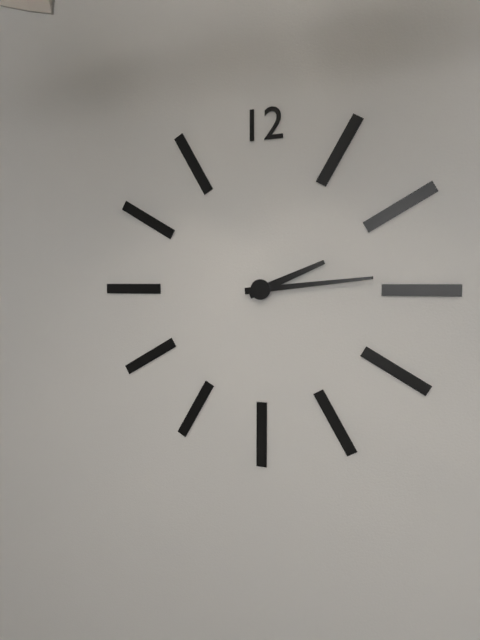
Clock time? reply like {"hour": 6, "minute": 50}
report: {"hour": 2, "minute": 14}
